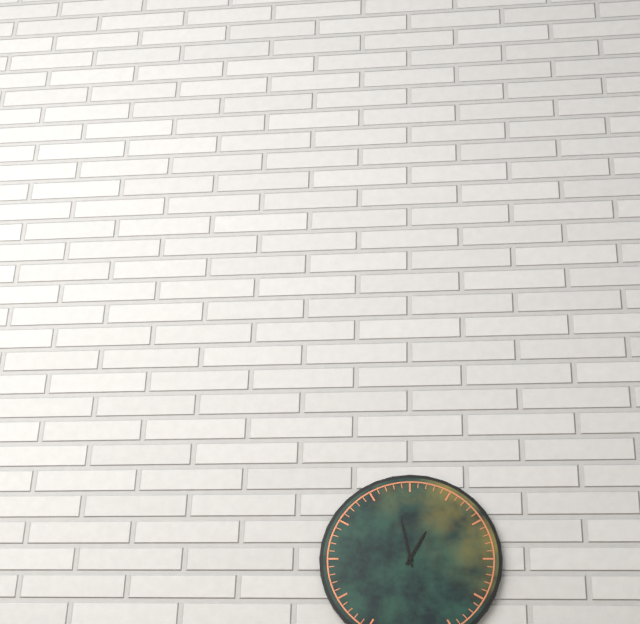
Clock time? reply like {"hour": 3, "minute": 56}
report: {"hour": 12, "minute": 58}
